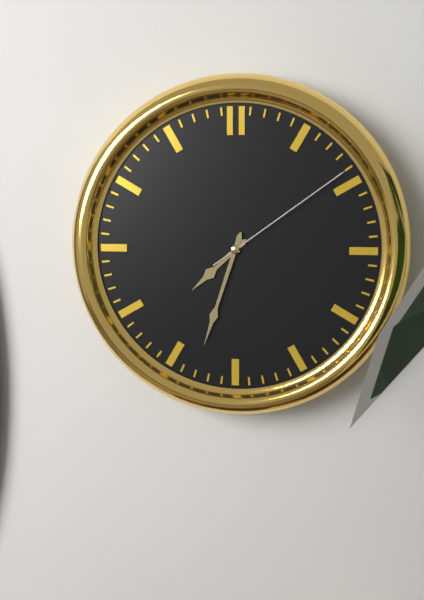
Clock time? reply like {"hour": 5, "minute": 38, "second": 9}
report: {"hour": 7, "minute": 33, "second": 9}
